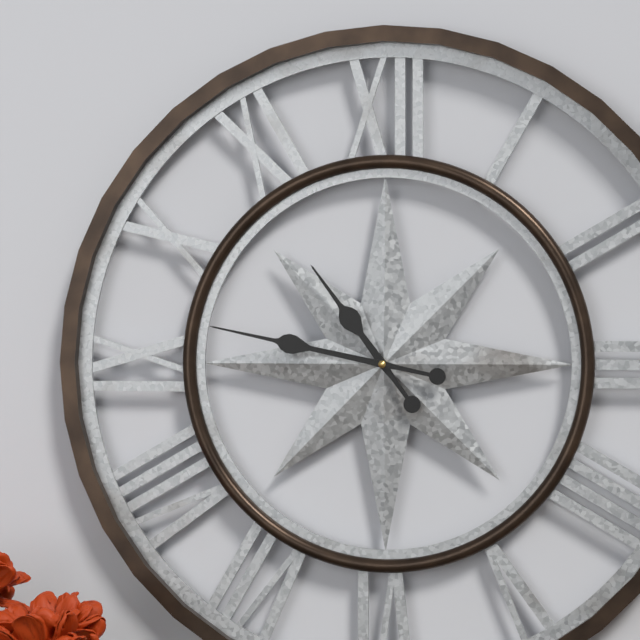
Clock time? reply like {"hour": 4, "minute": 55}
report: {"hour": 10, "minute": 47}
